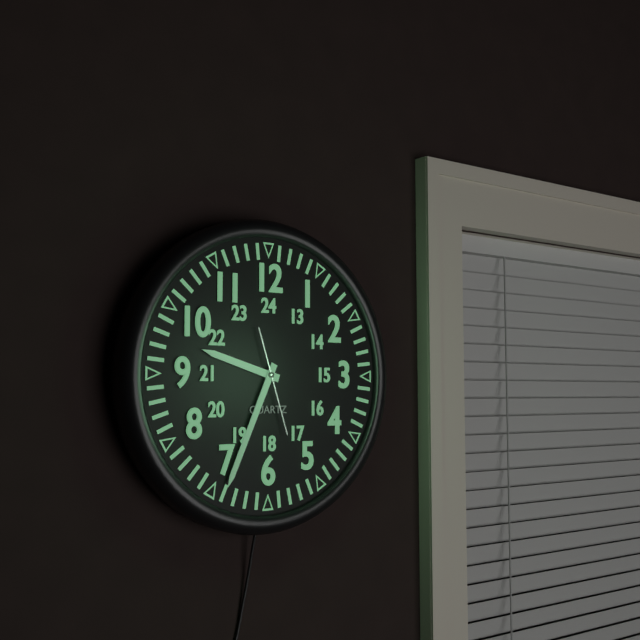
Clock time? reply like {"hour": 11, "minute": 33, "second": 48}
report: {"hour": 9, "minute": 34, "second": 27}
